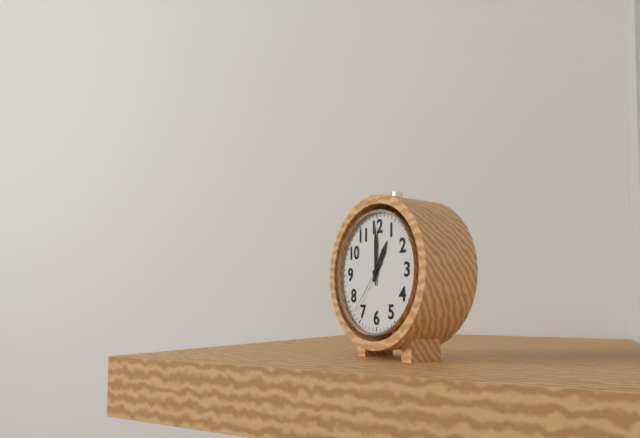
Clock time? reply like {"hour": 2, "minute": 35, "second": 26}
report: {"hour": 1, "minute": 0, "second": 37}
